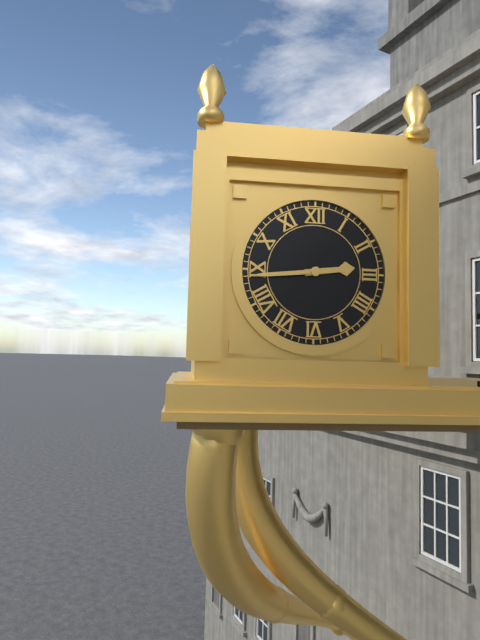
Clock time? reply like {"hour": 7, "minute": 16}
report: {"hour": 2, "minute": 44}
